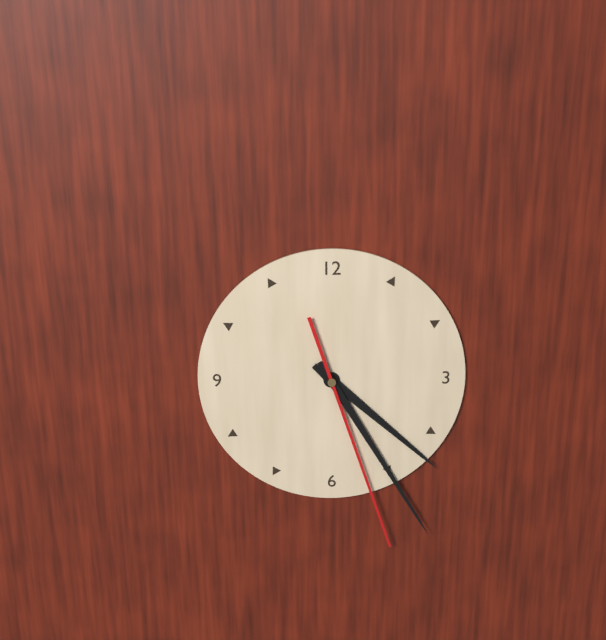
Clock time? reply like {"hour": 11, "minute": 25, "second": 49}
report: {"hour": 4, "minute": 25, "second": 27}
